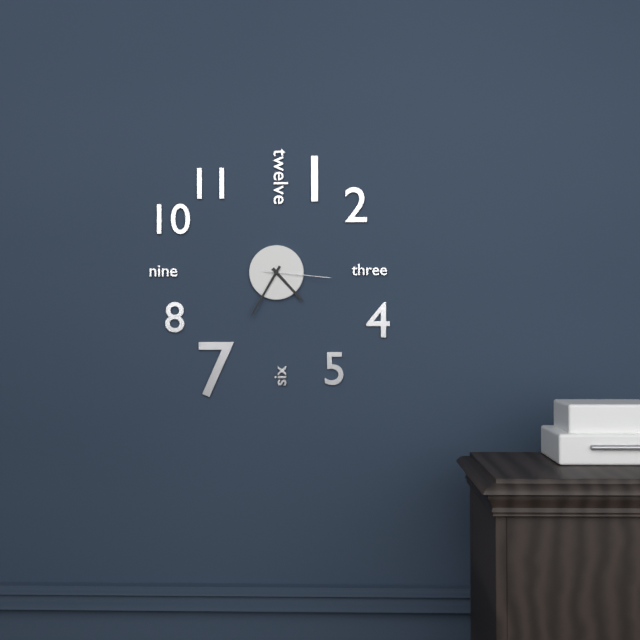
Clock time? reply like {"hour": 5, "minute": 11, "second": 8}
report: {"hour": 4, "minute": 35, "second": 16}
